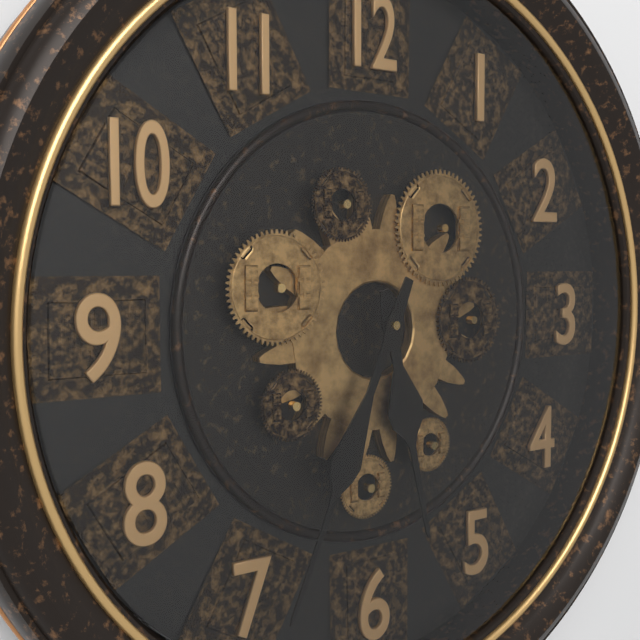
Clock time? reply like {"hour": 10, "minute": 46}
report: {"hour": 5, "minute": 34}
